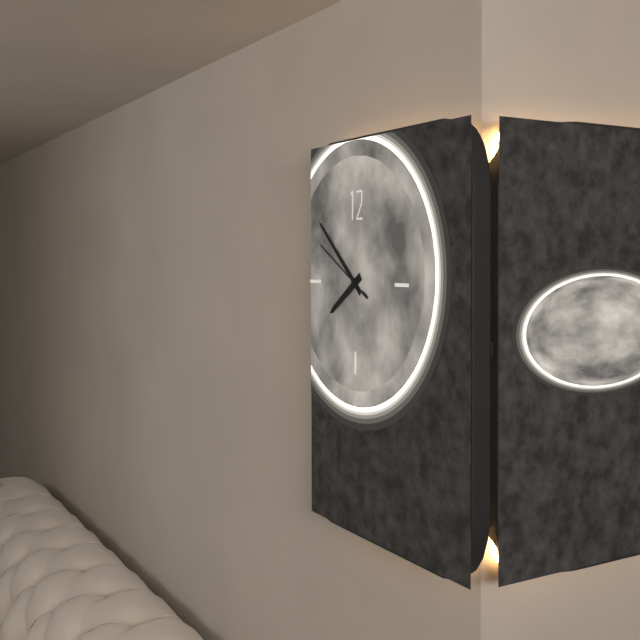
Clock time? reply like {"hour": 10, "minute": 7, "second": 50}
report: {"hour": 7, "minute": 52, "second": 50}
